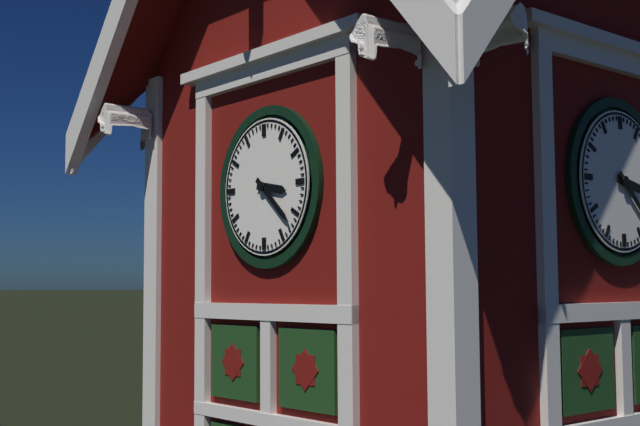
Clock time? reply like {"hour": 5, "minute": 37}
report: {"hour": 3, "minute": 22}
